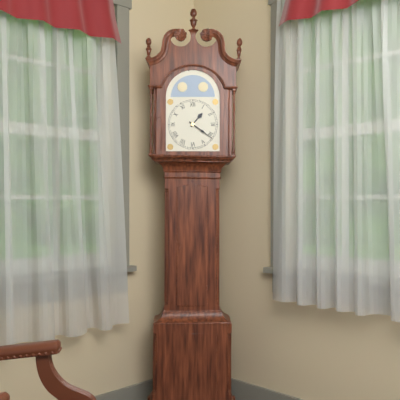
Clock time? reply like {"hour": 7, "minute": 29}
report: {"hour": 1, "minute": 21}
